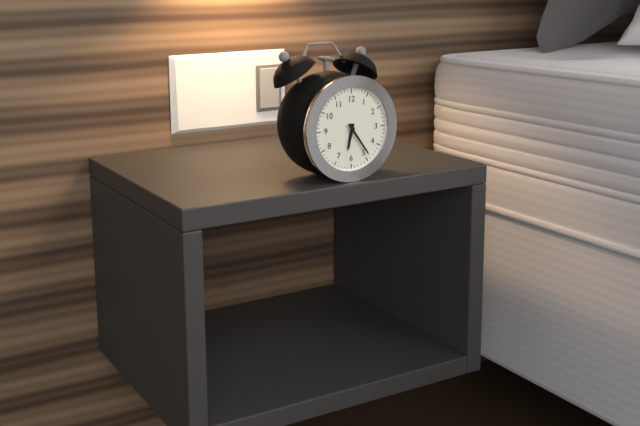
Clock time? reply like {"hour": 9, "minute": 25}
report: {"hour": 6, "minute": 24}
